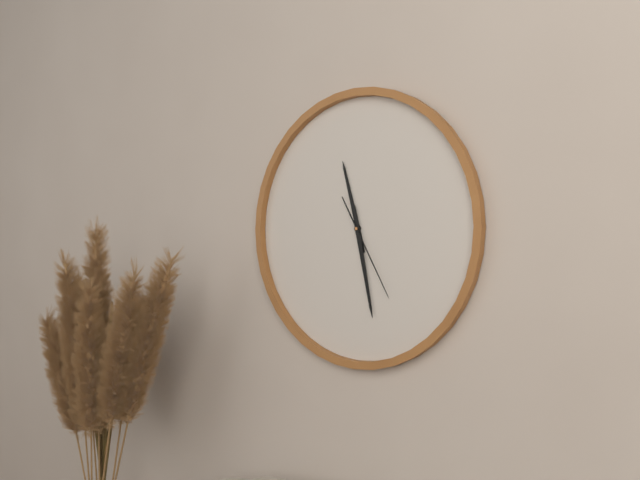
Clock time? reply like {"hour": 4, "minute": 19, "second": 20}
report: {"hour": 11, "minute": 28, "second": 25}
